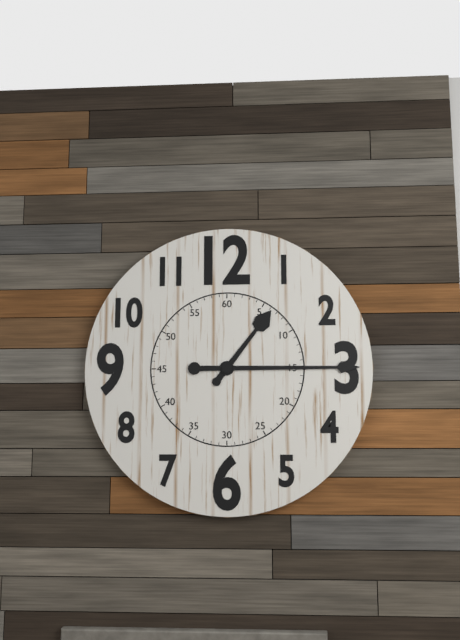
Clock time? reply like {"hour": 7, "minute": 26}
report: {"hour": 1, "minute": 15}
